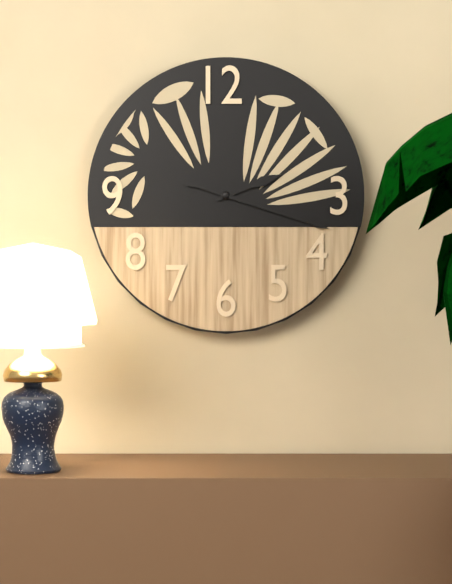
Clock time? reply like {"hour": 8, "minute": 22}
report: {"hour": 2, "minute": 18}
